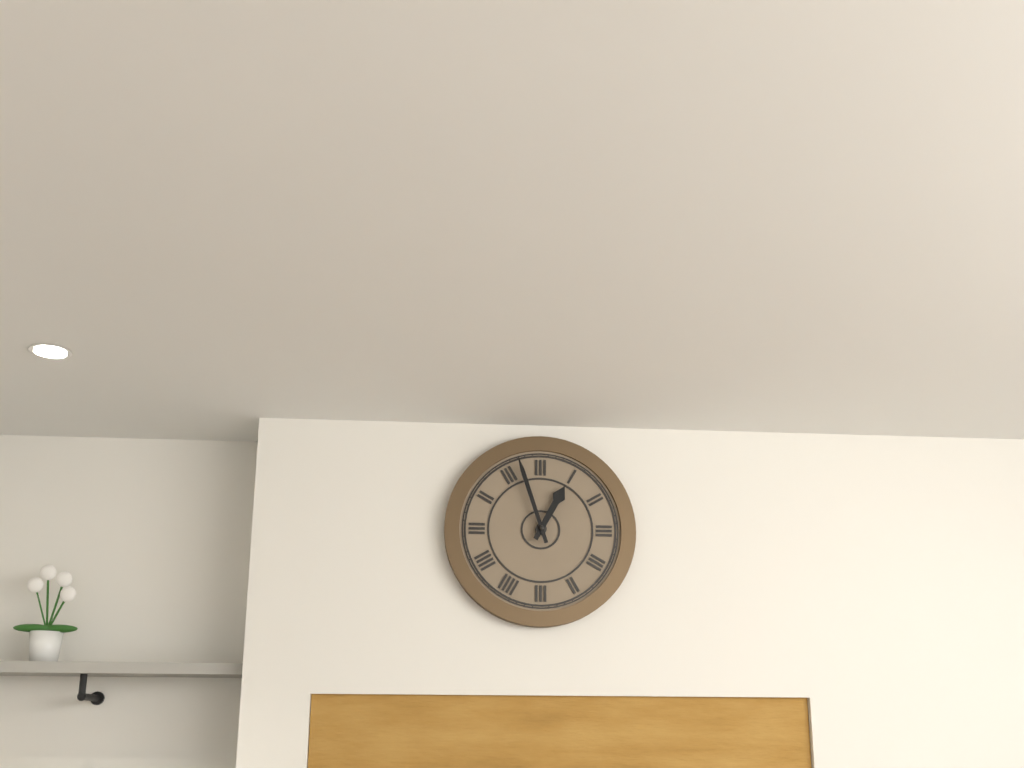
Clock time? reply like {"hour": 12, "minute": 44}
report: {"hour": 12, "minute": 57}
